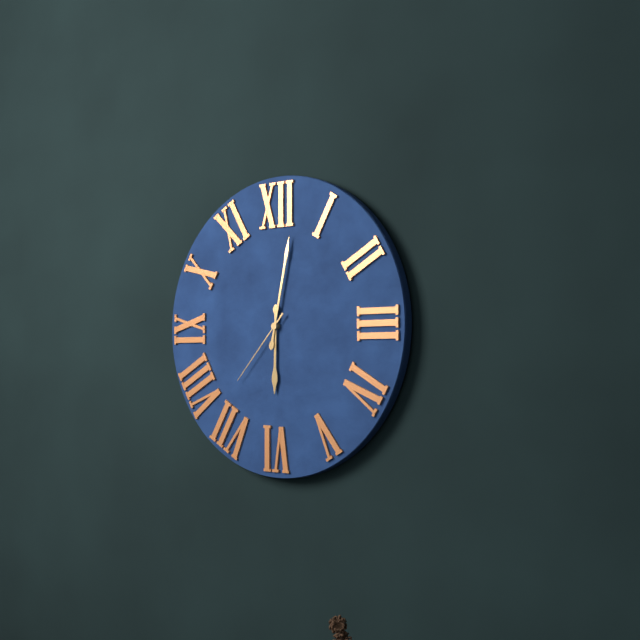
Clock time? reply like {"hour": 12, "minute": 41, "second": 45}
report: {"hour": 6, "minute": 2, "second": 37}
